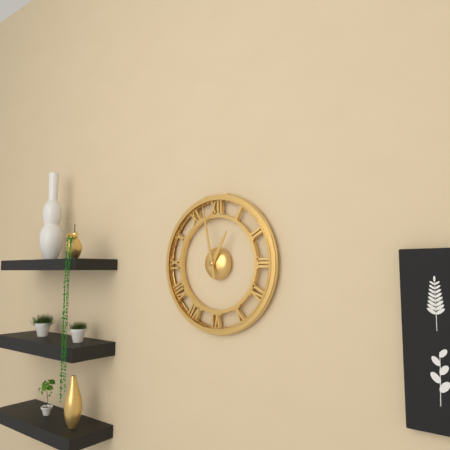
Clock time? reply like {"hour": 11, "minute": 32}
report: {"hour": 12, "minute": 58}
